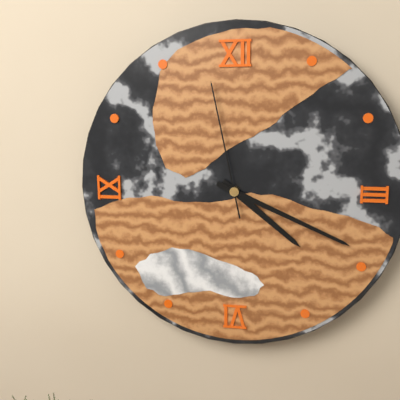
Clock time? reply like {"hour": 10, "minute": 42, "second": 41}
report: {"hour": 4, "minute": 19, "second": 58}
